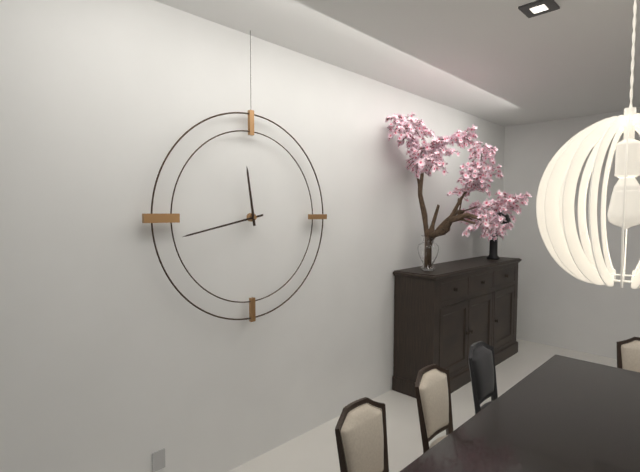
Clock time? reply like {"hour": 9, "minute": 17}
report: {"hour": 11, "minute": 43}
